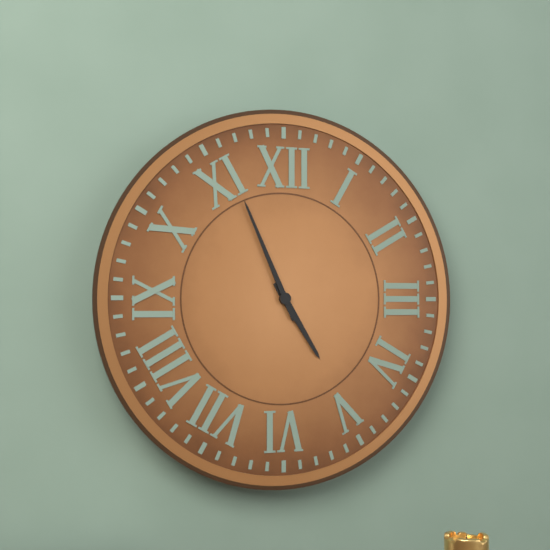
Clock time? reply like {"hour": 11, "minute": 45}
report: {"hour": 4, "minute": 56}
